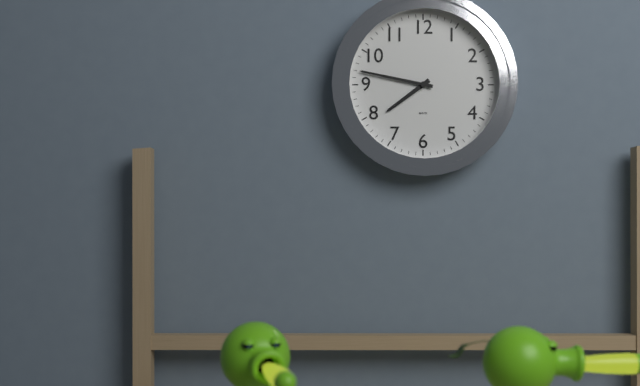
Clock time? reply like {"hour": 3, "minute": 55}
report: {"hour": 7, "minute": 47}
